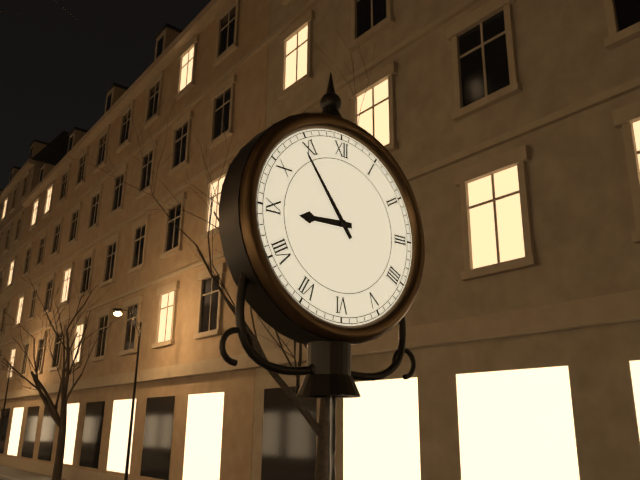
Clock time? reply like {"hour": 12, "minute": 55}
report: {"hour": 8, "minute": 54}
